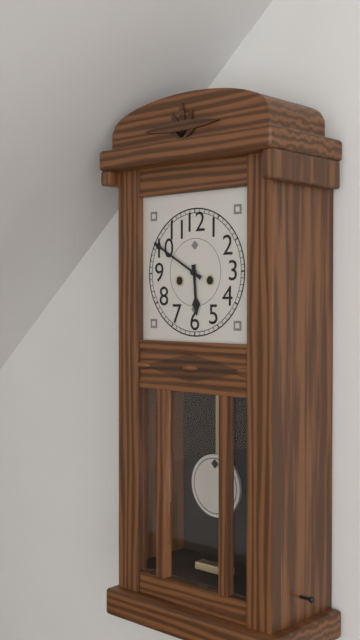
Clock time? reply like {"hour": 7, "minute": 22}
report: {"hour": 5, "minute": 50}
